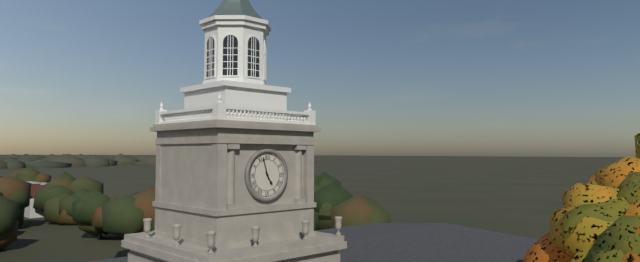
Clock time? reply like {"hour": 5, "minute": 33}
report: {"hour": 4, "minute": 57}
